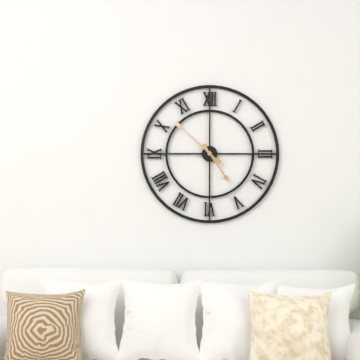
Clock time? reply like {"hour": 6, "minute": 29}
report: {"hour": 4, "minute": 52}
